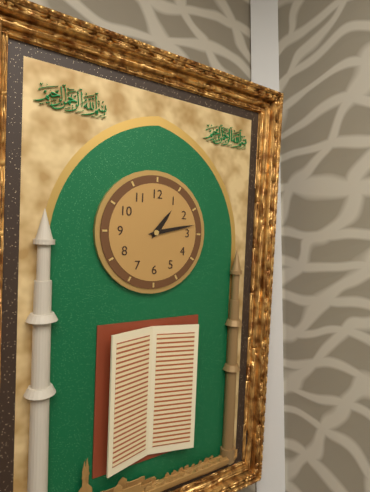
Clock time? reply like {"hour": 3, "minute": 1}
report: {"hour": 1, "minute": 13}
